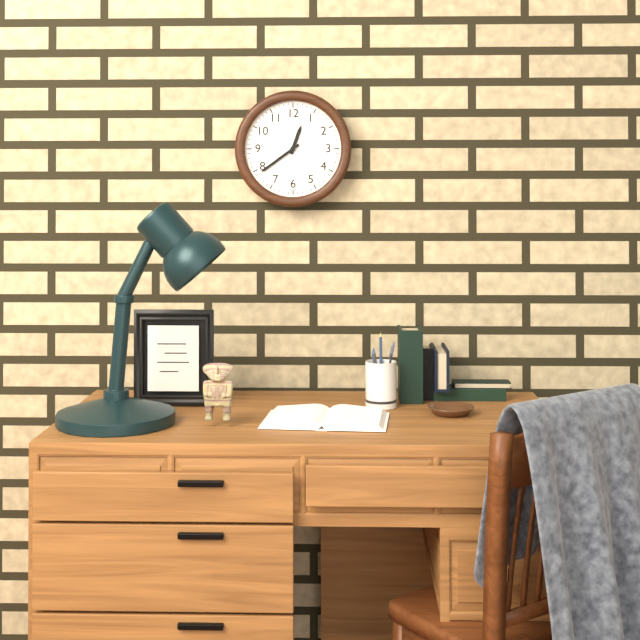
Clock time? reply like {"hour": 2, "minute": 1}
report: {"hour": 12, "minute": 39}
